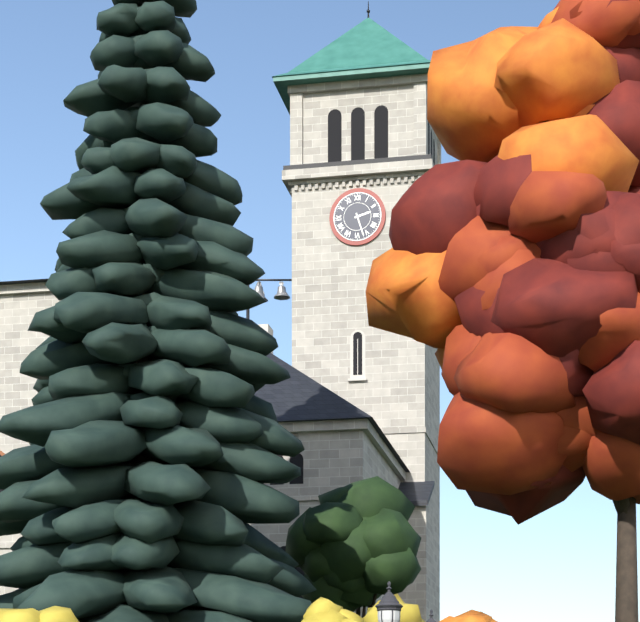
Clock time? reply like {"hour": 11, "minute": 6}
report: {"hour": 2, "minute": 27}
